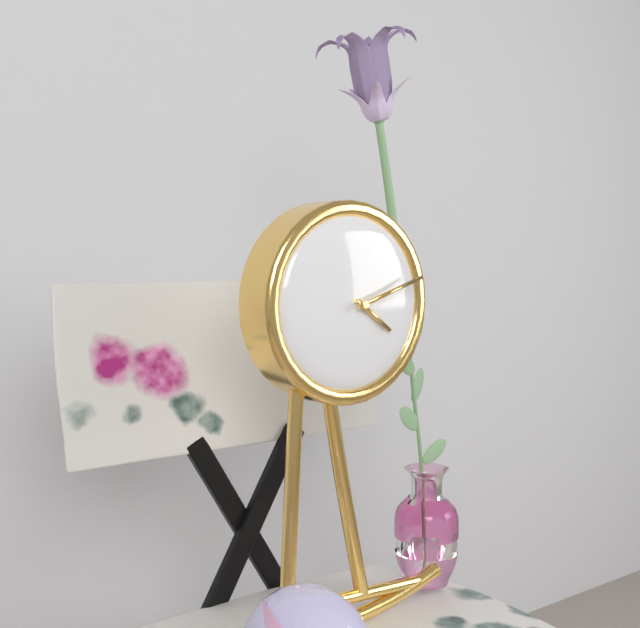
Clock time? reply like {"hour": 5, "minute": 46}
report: {"hour": 4, "minute": 12}
